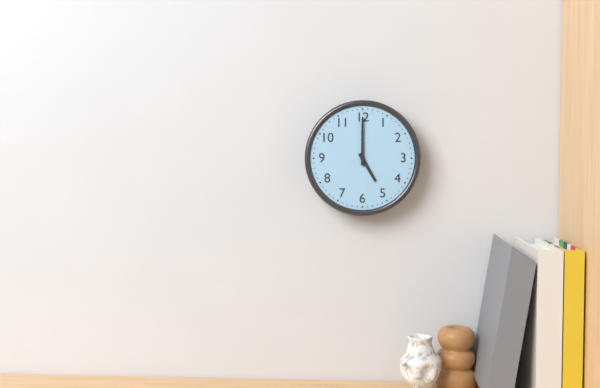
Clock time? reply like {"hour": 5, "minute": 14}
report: {"hour": 5, "minute": 0}
